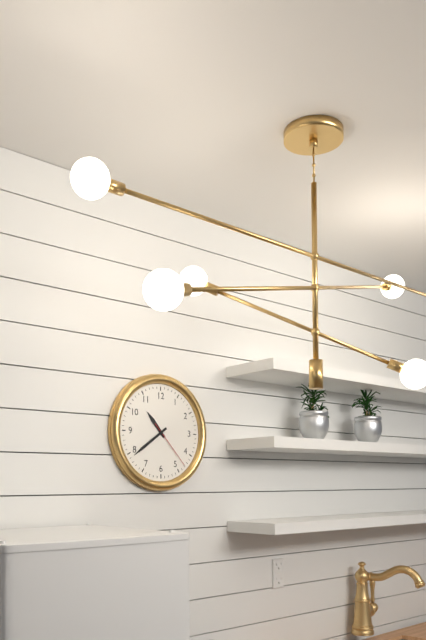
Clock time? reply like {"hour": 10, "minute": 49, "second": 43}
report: {"hour": 10, "minute": 39, "second": 23}
